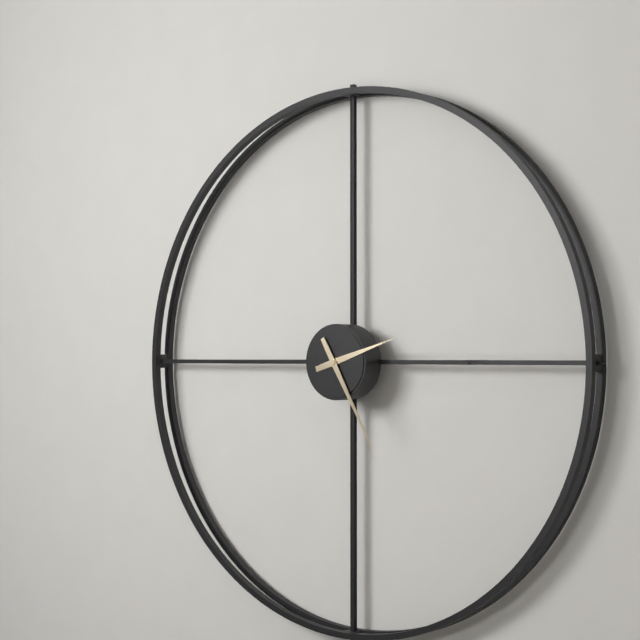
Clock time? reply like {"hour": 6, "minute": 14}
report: {"hour": 2, "minute": 25}
